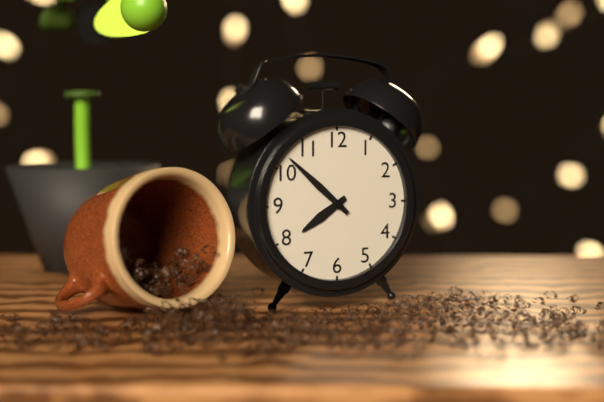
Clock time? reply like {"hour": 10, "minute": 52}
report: {"hour": 7, "minute": 52}
